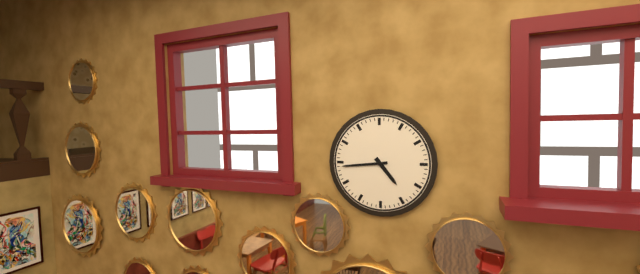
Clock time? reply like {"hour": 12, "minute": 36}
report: {"hour": 4, "minute": 44}
